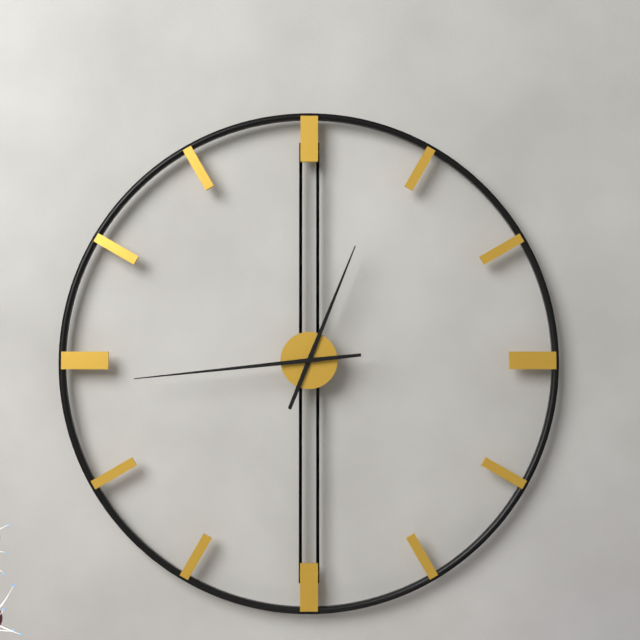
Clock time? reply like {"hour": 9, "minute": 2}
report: {"hour": 12, "minute": 44}
